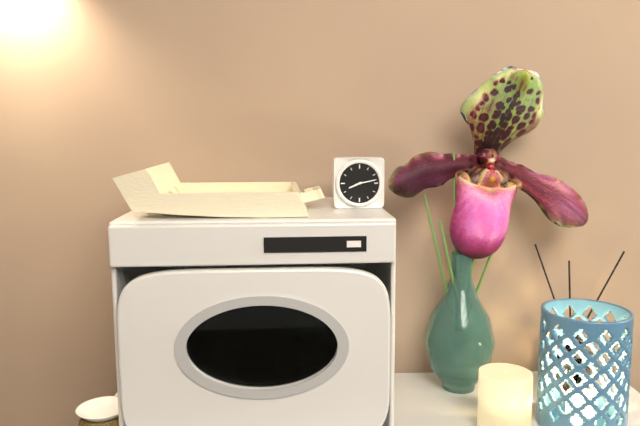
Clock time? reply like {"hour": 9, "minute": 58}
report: {"hour": 8, "minute": 13}
